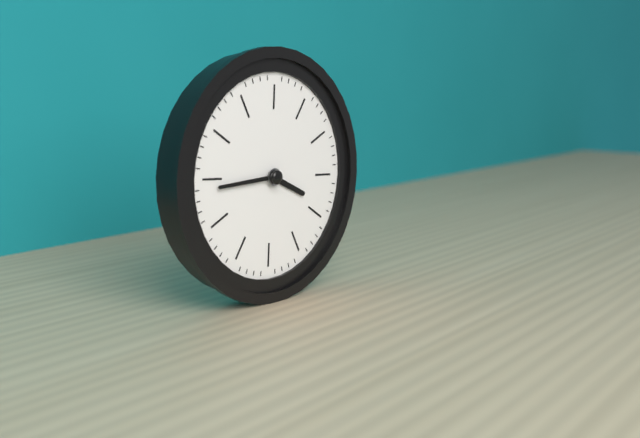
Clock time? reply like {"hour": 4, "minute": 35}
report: {"hour": 3, "minute": 44}
